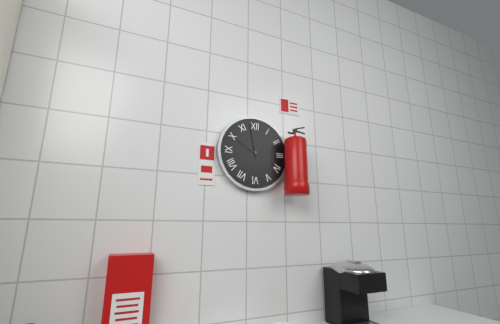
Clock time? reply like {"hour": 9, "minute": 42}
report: {"hour": 9, "minute": 58}
